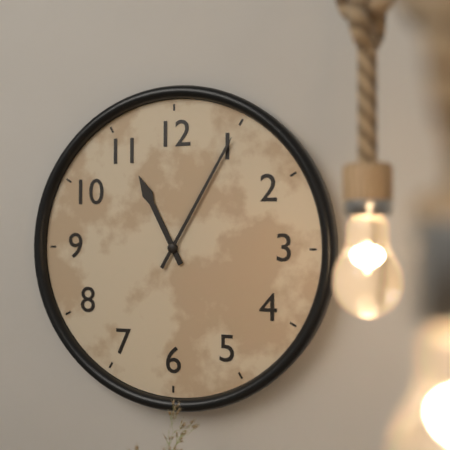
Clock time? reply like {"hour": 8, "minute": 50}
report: {"hour": 11, "minute": 5}
